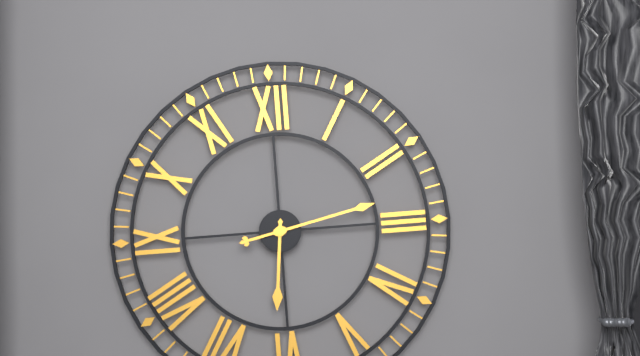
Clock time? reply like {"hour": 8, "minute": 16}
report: {"hour": 6, "minute": 13}
